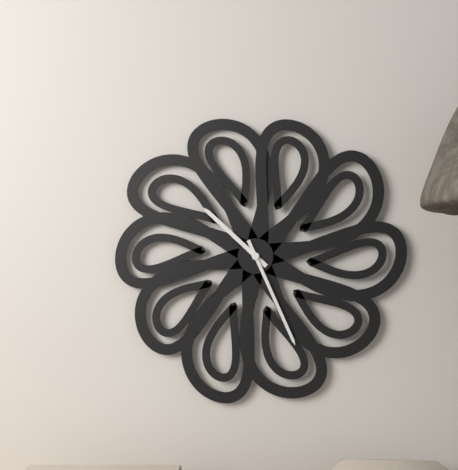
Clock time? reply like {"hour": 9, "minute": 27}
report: {"hour": 10, "minute": 26}
